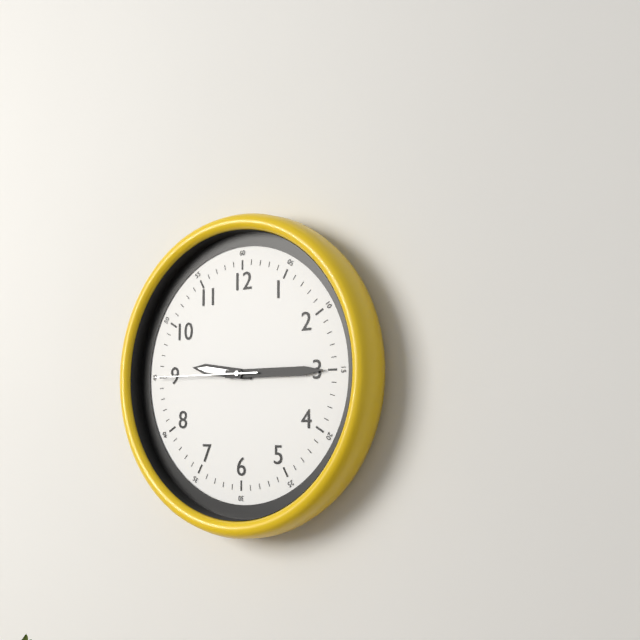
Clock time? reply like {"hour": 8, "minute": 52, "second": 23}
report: {"hour": 9, "minute": 15, "second": 45}
